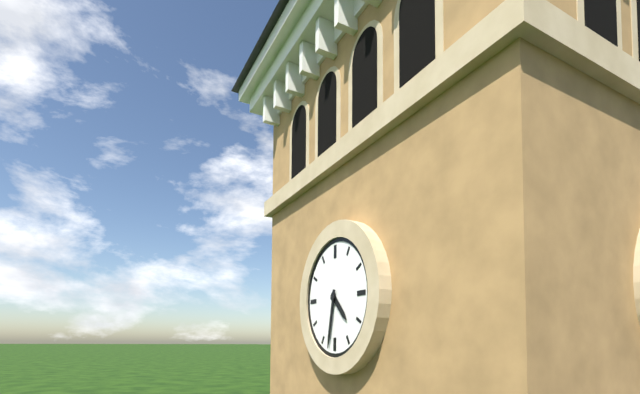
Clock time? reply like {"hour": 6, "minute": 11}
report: {"hour": 4, "minute": 32}
